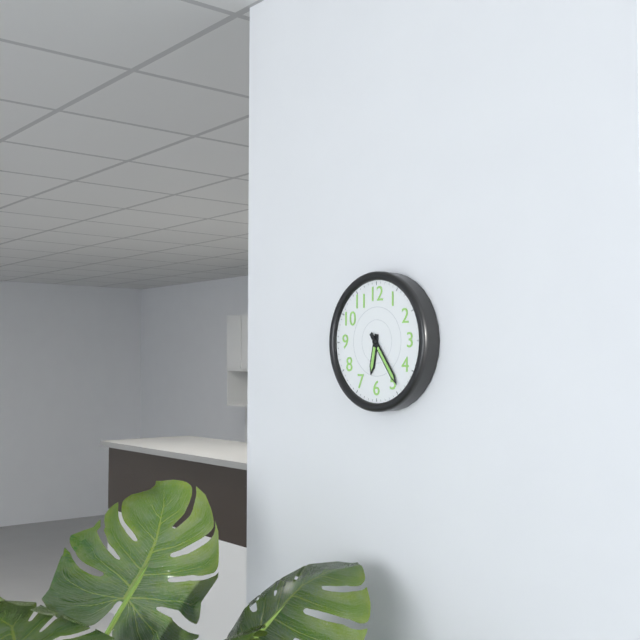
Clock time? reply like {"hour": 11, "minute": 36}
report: {"hour": 6, "minute": 24}
